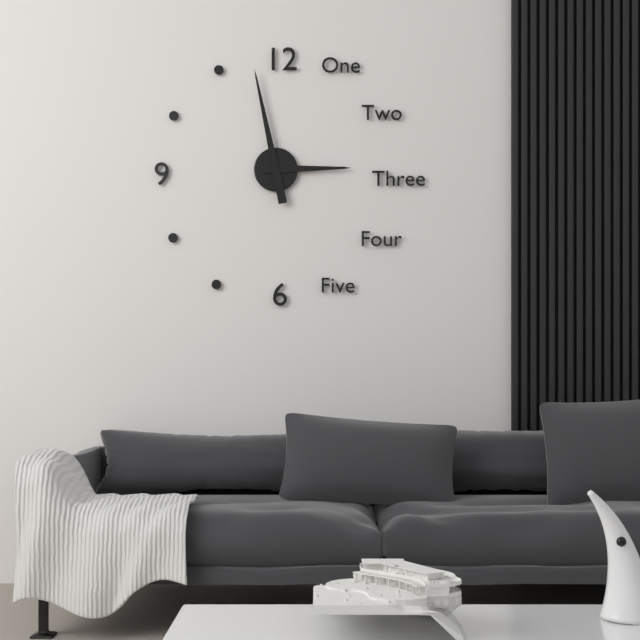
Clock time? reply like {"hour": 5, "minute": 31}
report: {"hour": 2, "minute": 58}
